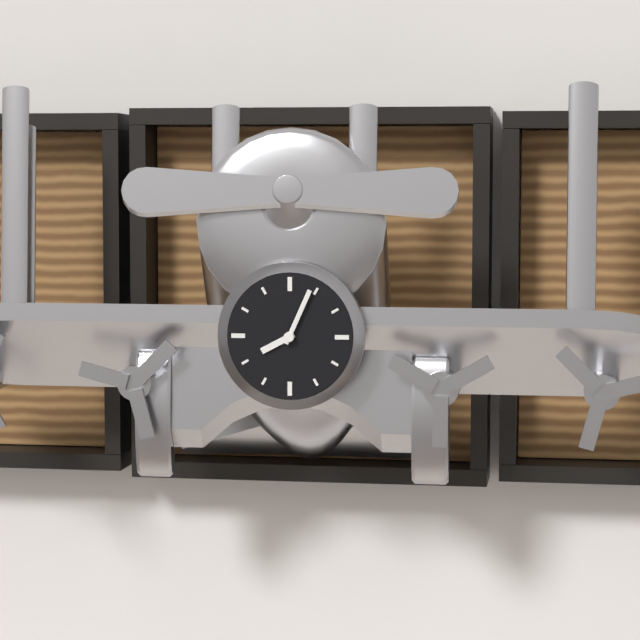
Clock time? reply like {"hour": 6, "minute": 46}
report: {"hour": 8, "minute": 4}
